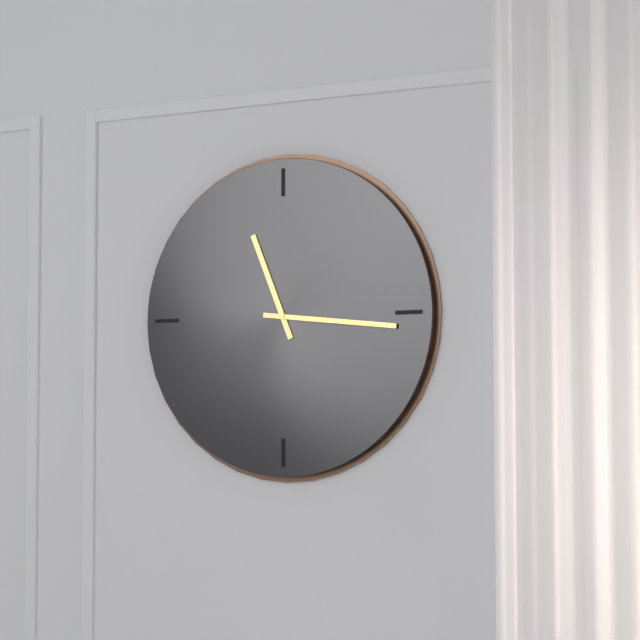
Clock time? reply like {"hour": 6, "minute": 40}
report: {"hour": 11, "minute": 16}
